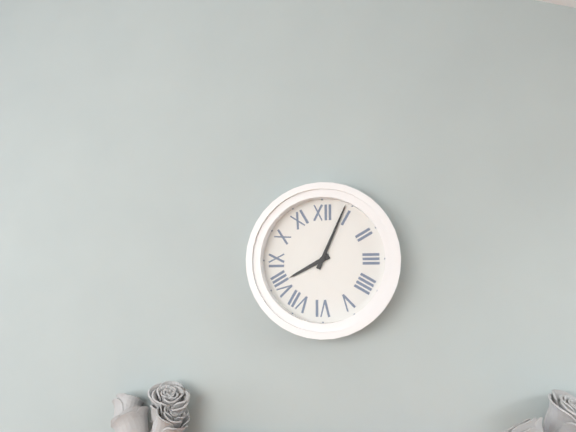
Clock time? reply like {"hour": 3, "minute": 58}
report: {"hour": 8, "minute": 4}
